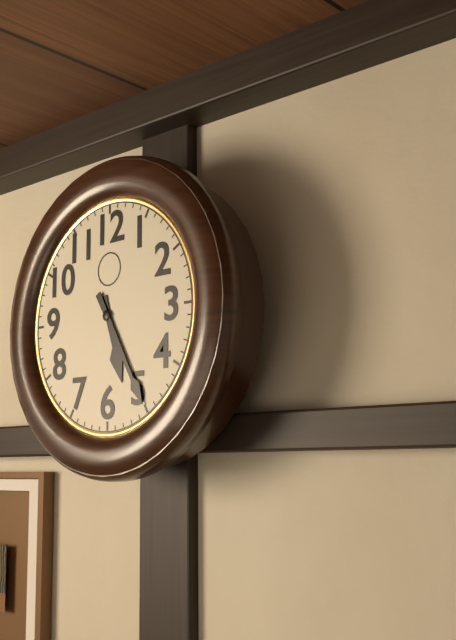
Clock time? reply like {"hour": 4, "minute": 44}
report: {"hour": 5, "minute": 25}
